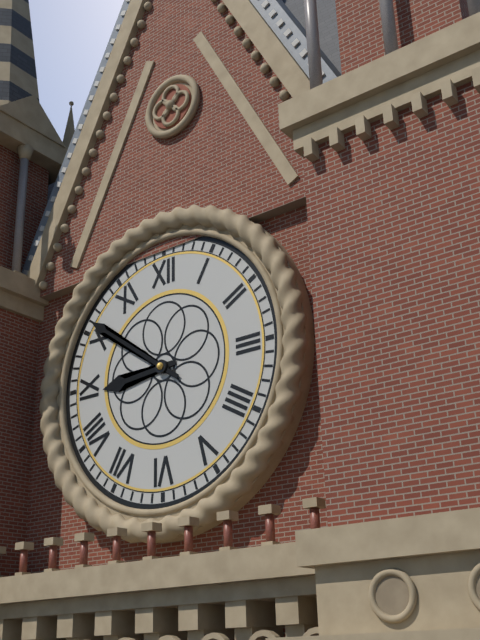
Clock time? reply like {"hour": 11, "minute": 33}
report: {"hour": 8, "minute": 51}
